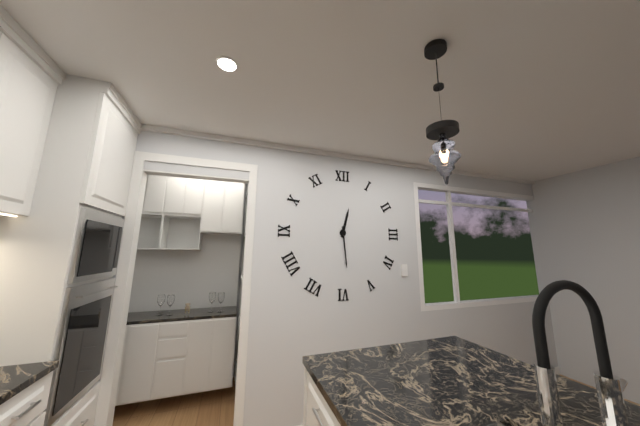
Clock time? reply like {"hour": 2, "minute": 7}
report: {"hour": 12, "minute": 29}
